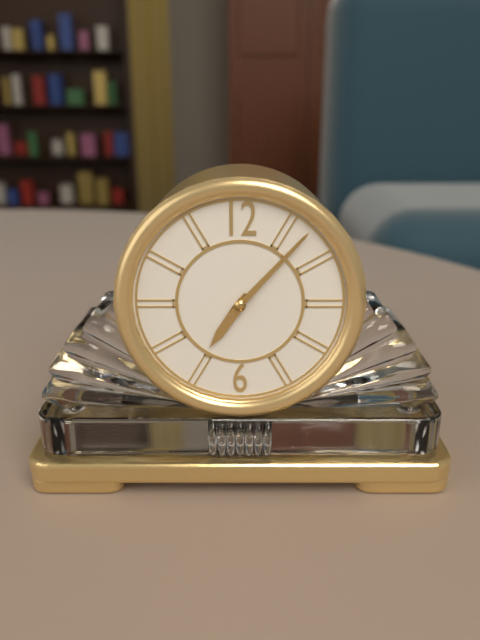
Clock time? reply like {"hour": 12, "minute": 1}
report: {"hour": 7, "minute": 7}
